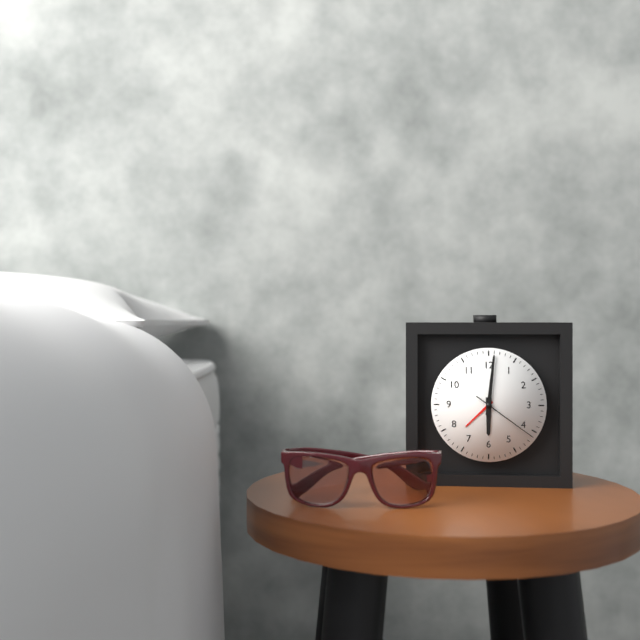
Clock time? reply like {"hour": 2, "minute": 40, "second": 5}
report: {"hour": 6, "minute": 1, "second": 21}
